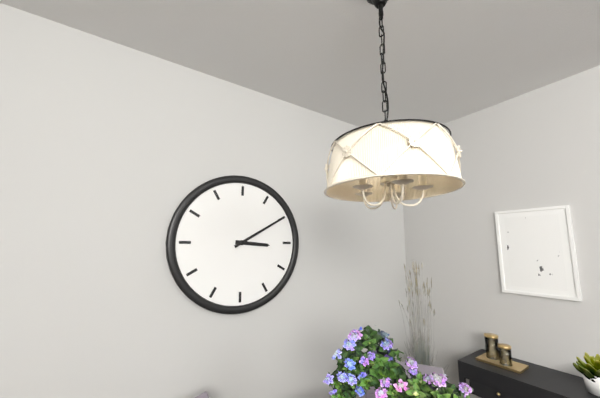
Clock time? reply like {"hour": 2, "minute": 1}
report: {"hour": 3, "minute": 10}
